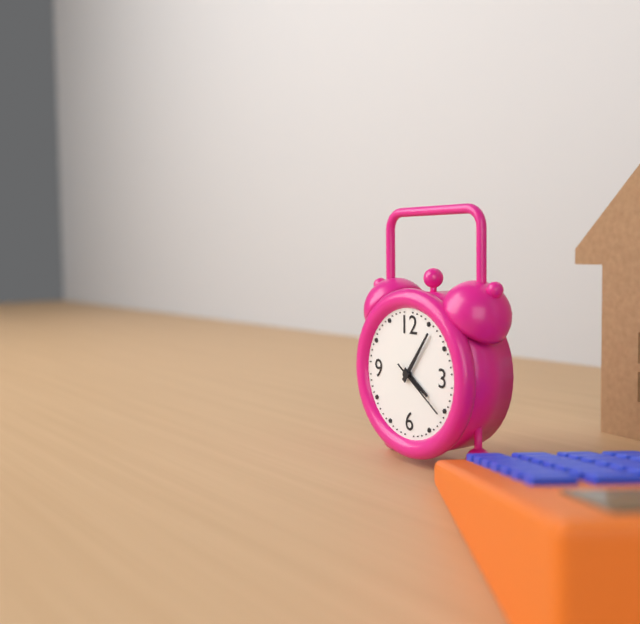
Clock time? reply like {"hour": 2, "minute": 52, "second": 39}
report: {"hour": 4, "minute": 6, "second": 21}
